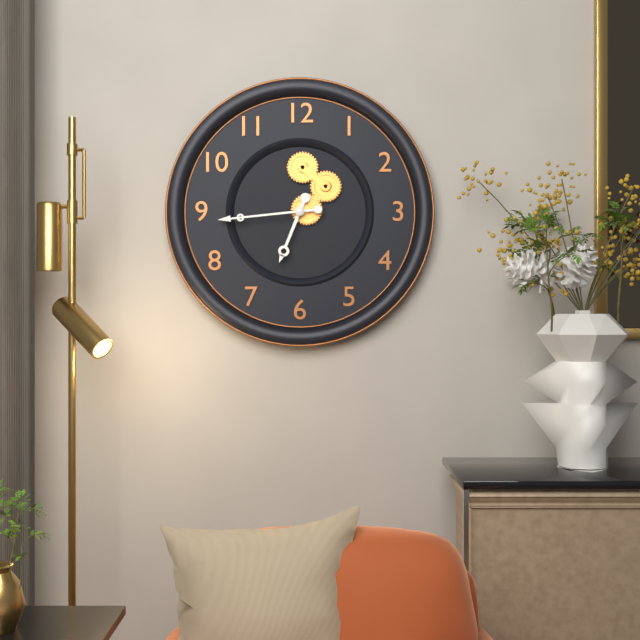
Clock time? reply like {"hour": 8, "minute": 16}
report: {"hour": 6, "minute": 44}
